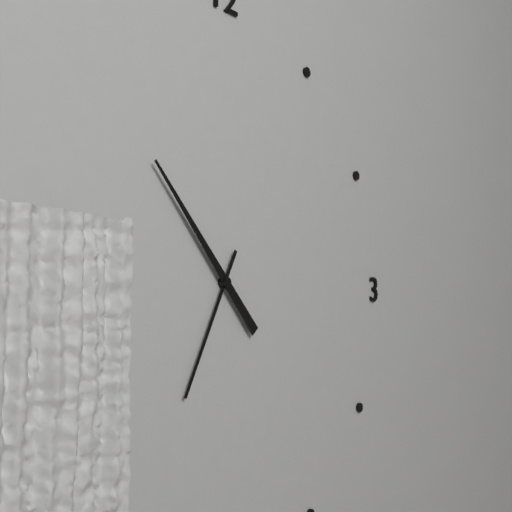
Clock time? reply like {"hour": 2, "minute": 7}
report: {"hour": 6, "minute": 53}
